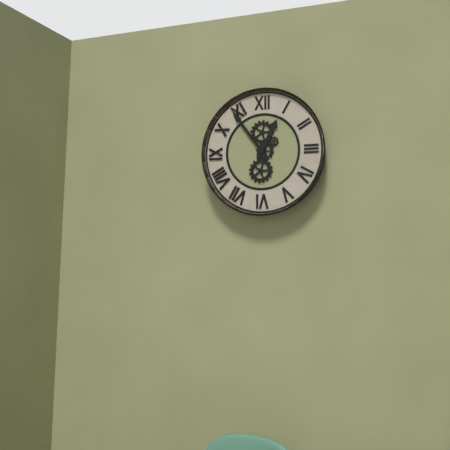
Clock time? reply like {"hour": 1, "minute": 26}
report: {"hour": 12, "minute": 54}
